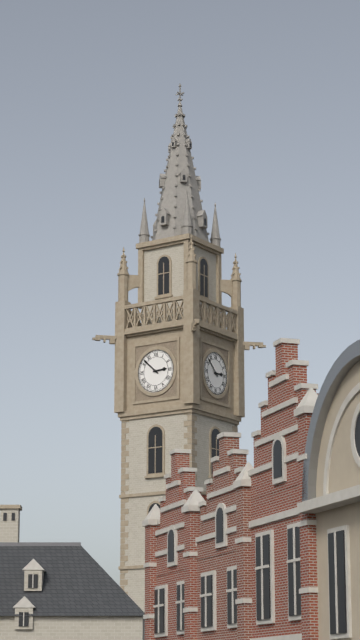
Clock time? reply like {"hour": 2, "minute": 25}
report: {"hour": 2, "minute": 52}
